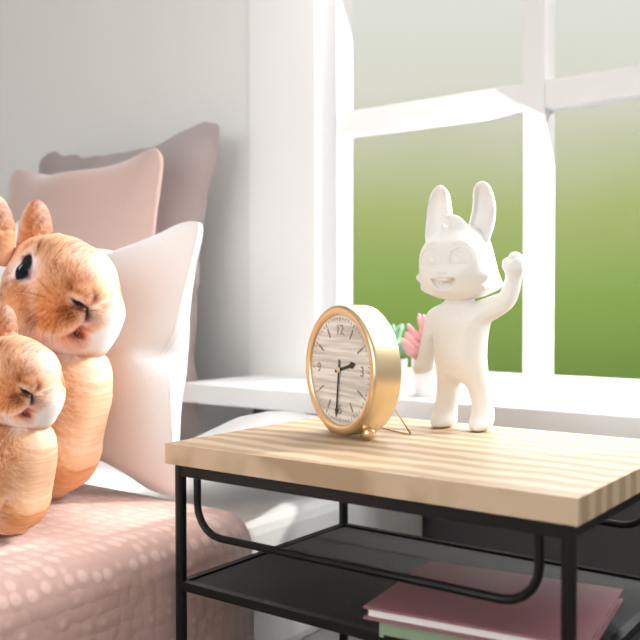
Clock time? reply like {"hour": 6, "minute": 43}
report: {"hour": 2, "minute": 31}
